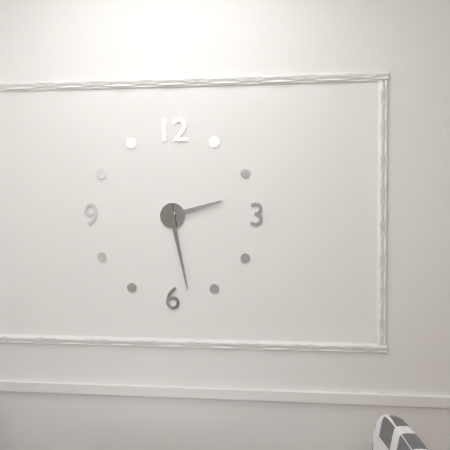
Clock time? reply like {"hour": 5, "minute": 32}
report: {"hour": 2, "minute": 28}
